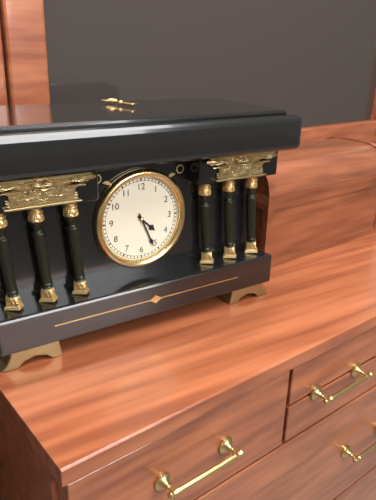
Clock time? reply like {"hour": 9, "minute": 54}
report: {"hour": 4, "minute": 26}
